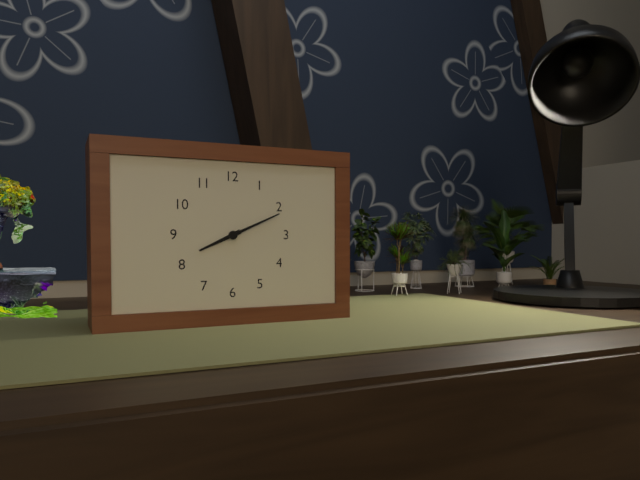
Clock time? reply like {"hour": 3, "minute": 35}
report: {"hour": 8, "minute": 11}
